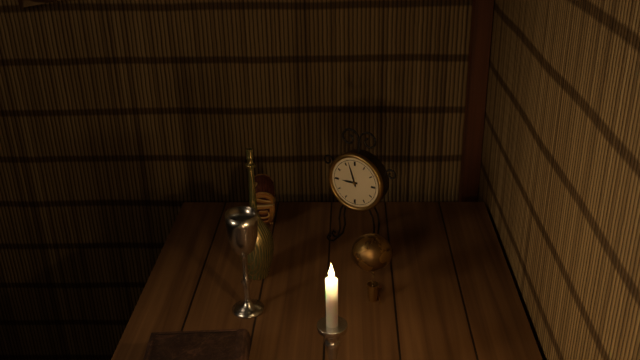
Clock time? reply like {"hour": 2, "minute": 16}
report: {"hour": 8, "minute": 57}
